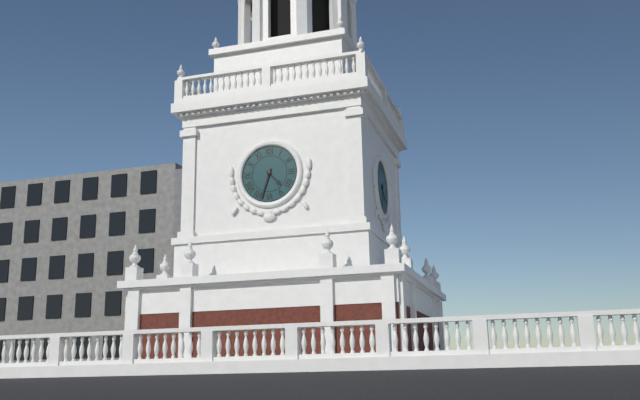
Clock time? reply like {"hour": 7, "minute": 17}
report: {"hour": 4, "minute": 33}
